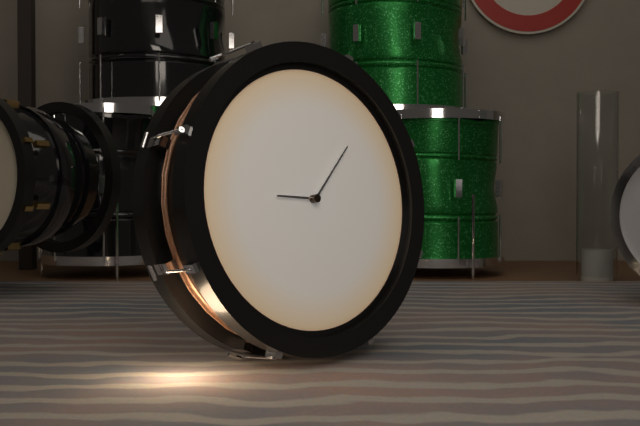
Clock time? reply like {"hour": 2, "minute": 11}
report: {"hour": 9, "minute": 7}
